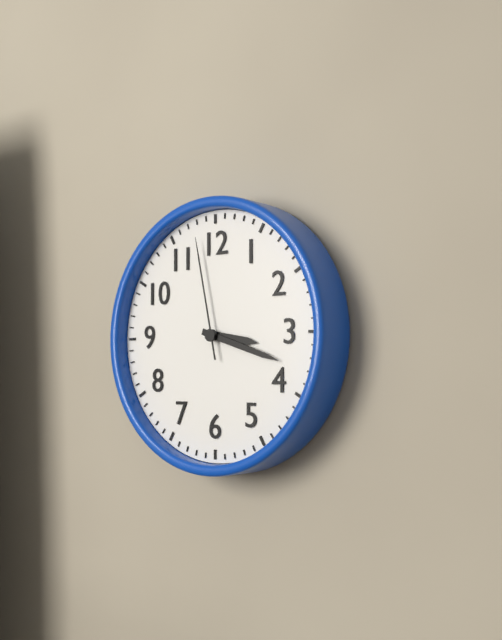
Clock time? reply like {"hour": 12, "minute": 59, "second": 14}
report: {"hour": 3, "minute": 18, "second": 58}
